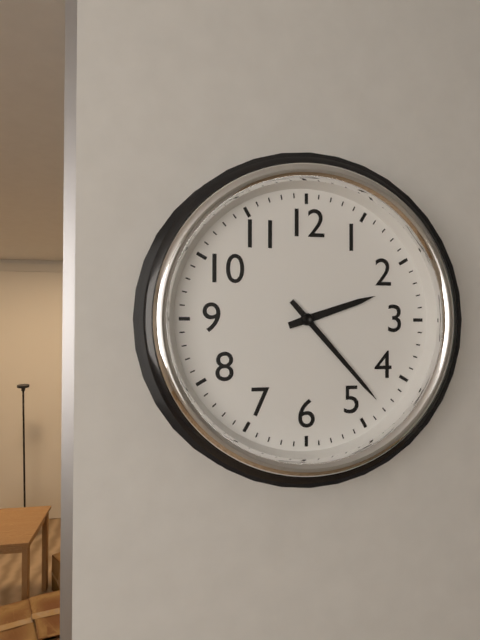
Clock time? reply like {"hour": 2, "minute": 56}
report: {"hour": 2, "minute": 23}
